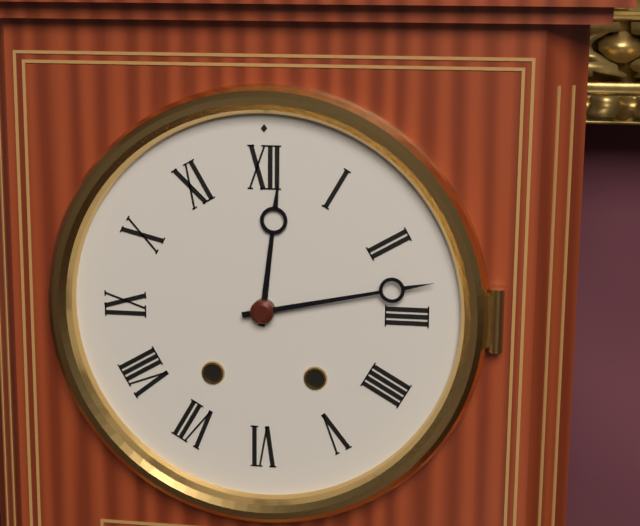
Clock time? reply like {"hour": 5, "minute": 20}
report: {"hour": 12, "minute": 13}
